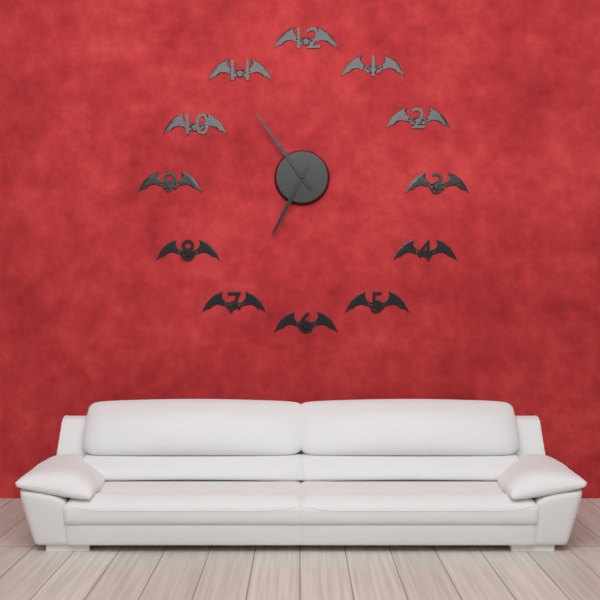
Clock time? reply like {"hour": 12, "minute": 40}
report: {"hour": 6, "minute": 54}
